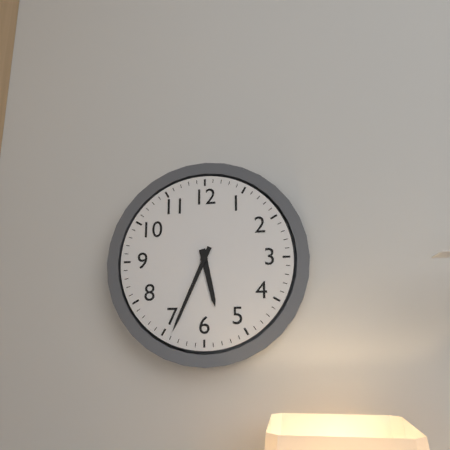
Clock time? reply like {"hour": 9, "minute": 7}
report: {"hour": 5, "minute": 34}
